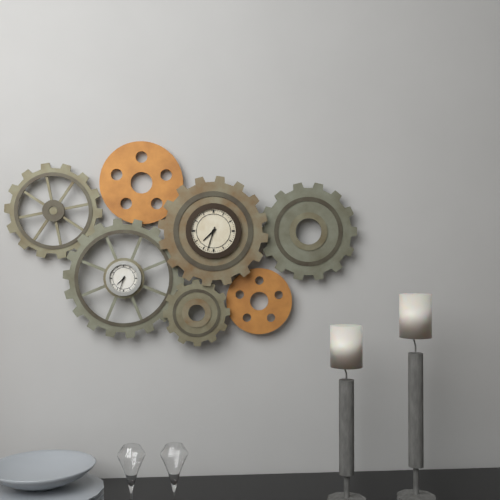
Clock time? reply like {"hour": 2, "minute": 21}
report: {"hour": 7, "minute": 33}
